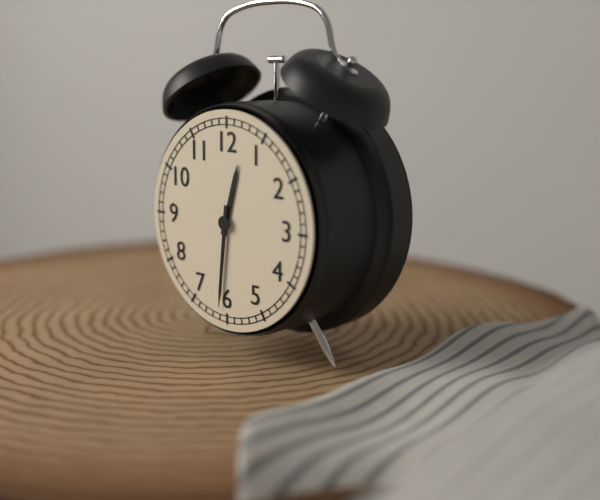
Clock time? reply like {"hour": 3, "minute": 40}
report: {"hour": 12, "minute": 31}
